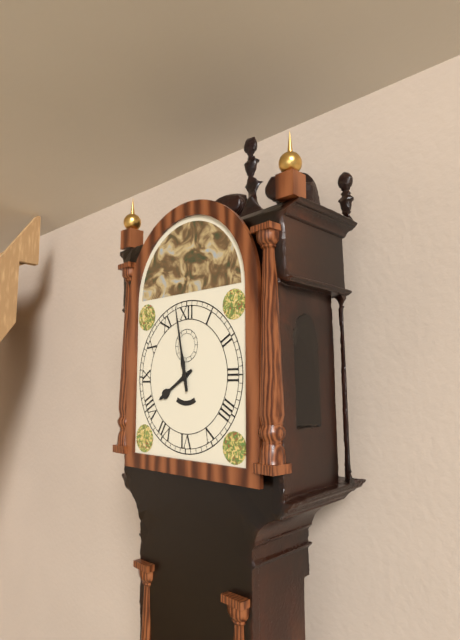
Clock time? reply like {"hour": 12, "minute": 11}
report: {"hour": 7, "minute": 58}
